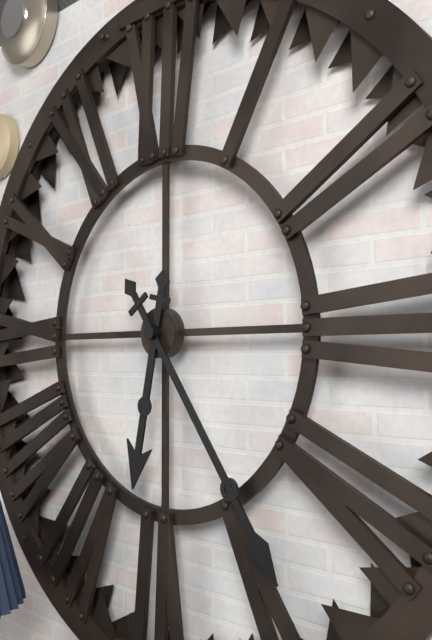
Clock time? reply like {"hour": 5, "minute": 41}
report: {"hour": 6, "minute": 24}
